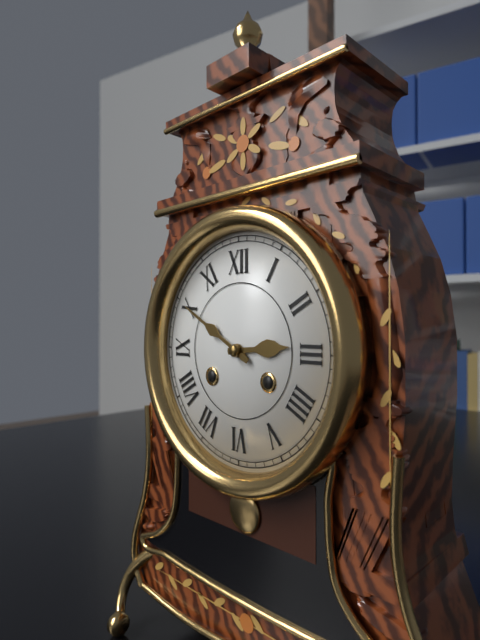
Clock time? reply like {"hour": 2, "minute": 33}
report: {"hour": 2, "minute": 50}
